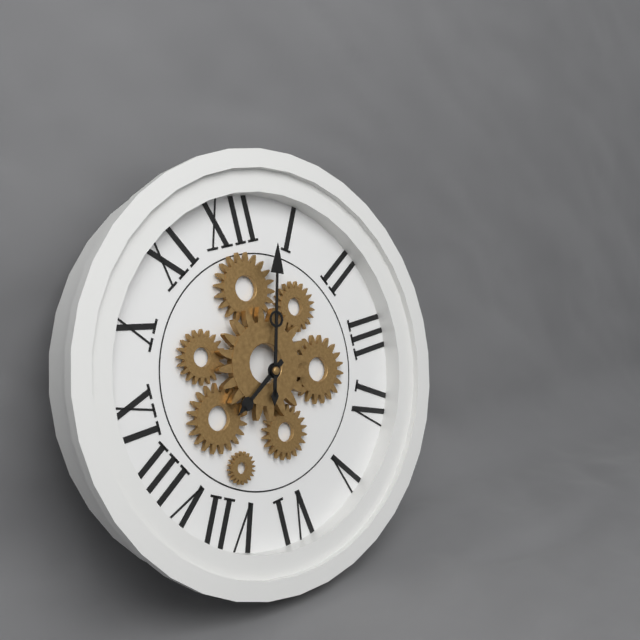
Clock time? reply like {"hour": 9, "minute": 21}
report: {"hour": 8, "minute": 3}
